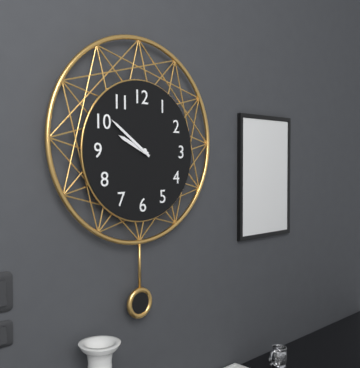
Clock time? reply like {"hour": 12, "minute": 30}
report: {"hour": 9, "minute": 51}
